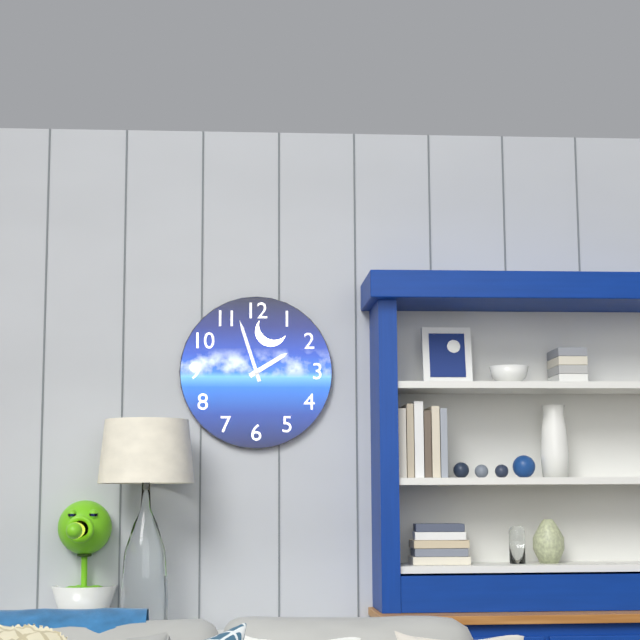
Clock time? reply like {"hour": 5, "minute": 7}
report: {"hour": 1, "minute": 57}
